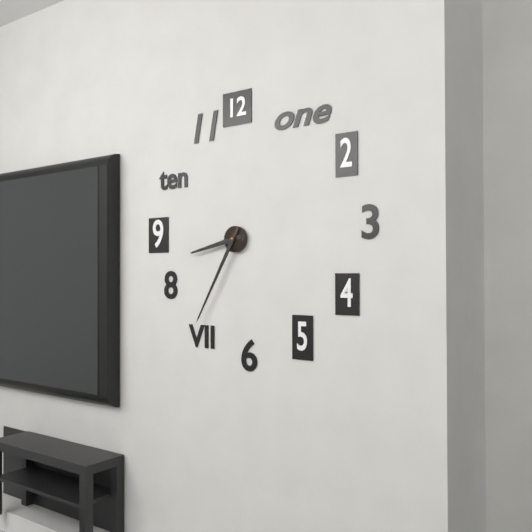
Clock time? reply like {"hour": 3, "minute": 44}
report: {"hour": 8, "minute": 35}
